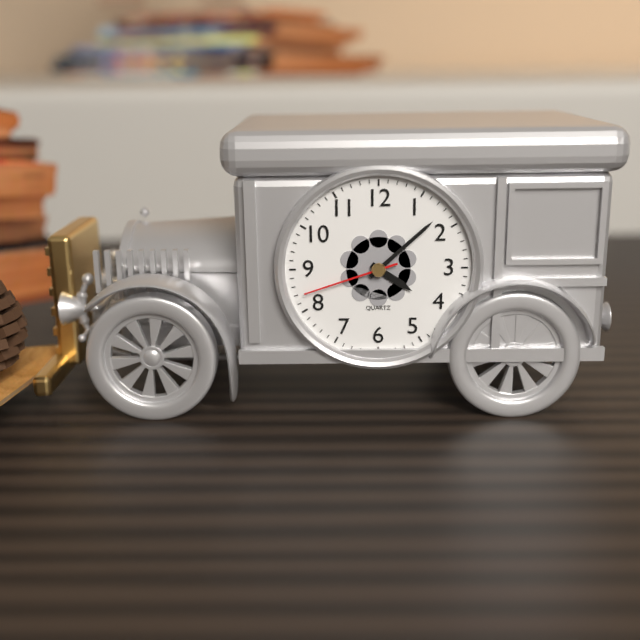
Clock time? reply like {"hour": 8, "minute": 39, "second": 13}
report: {"hour": 4, "minute": 8, "second": 42}
